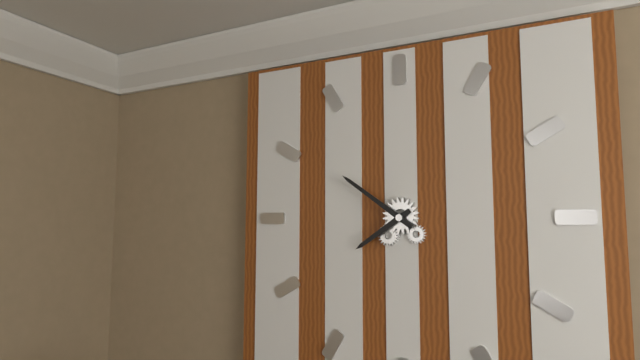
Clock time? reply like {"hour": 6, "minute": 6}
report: {"hour": 7, "minute": 51}
